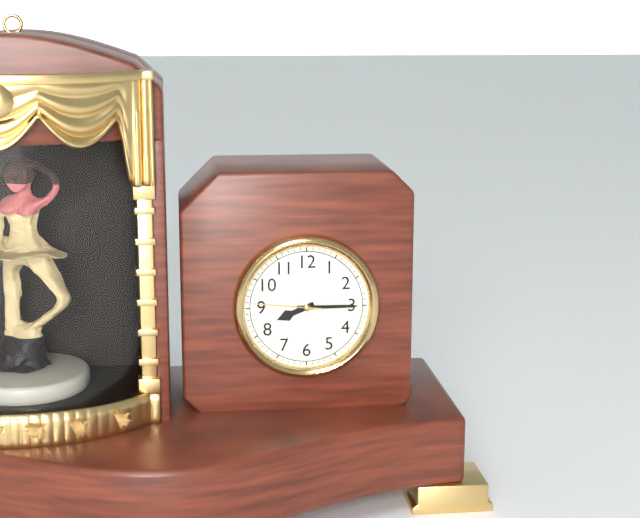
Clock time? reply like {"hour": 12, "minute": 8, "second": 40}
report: {"hour": 8, "minute": 15, "second": 46}
